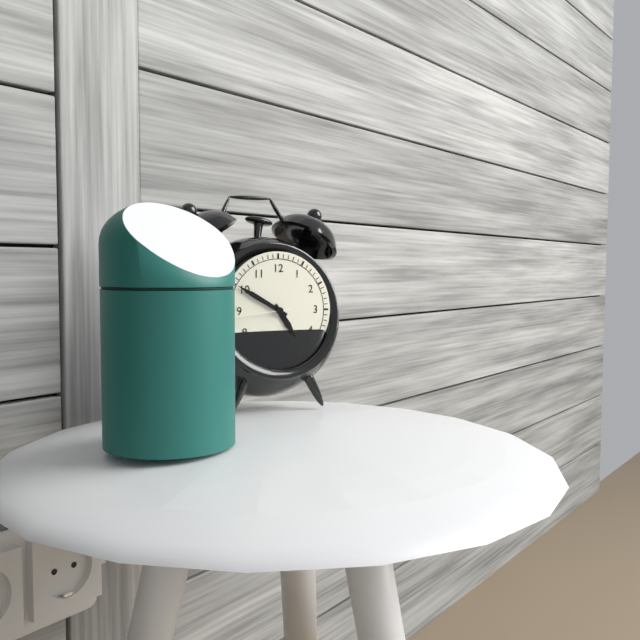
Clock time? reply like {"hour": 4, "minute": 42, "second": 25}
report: {"hour": 4, "minute": 50, "second": 44}
